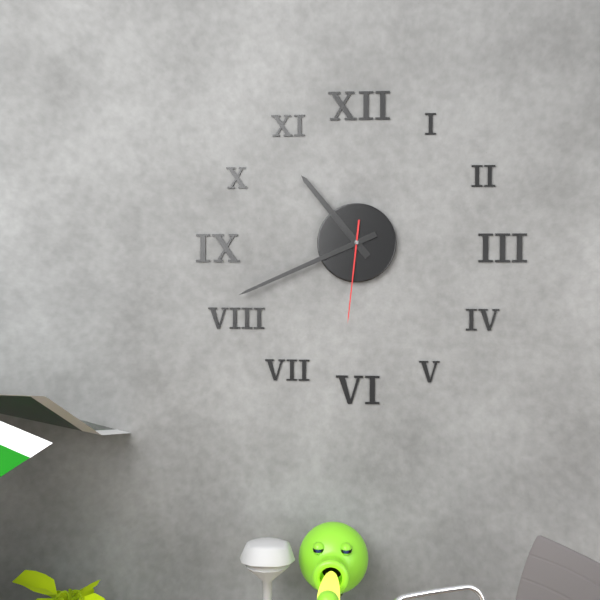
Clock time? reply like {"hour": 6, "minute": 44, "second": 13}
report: {"hour": 10, "minute": 41, "second": 31}
